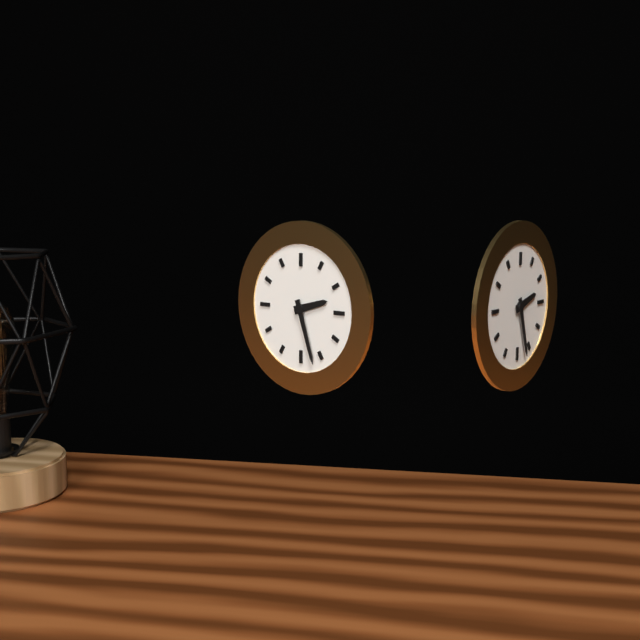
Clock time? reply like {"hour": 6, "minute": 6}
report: {"hour": 2, "minute": 27}
